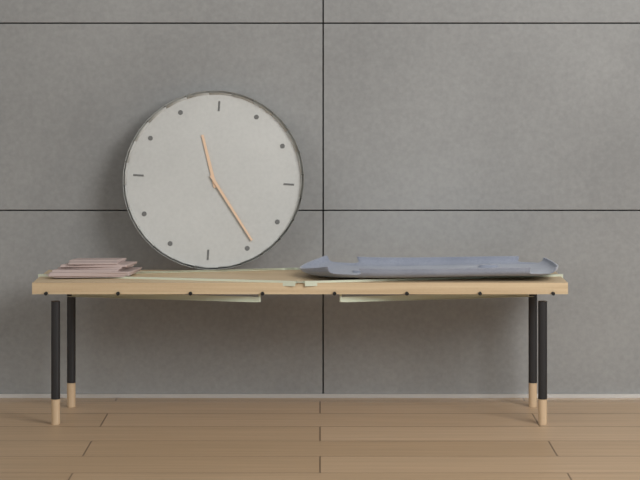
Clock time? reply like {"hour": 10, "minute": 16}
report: {"hour": 11, "minute": 24}
